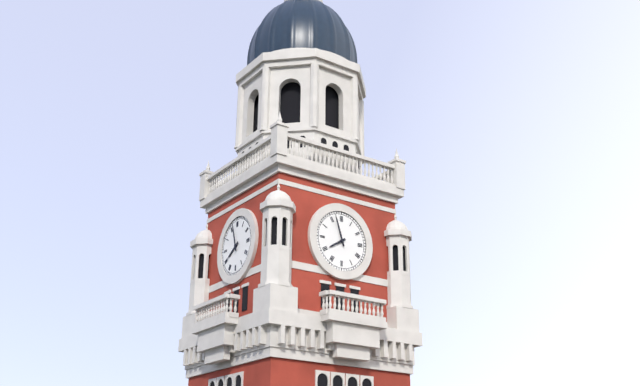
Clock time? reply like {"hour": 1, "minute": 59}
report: {"hour": 7, "minute": 57}
